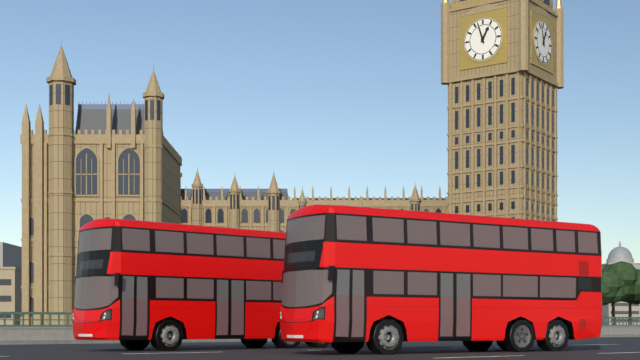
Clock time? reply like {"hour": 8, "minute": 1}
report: {"hour": 12, "minute": 57}
